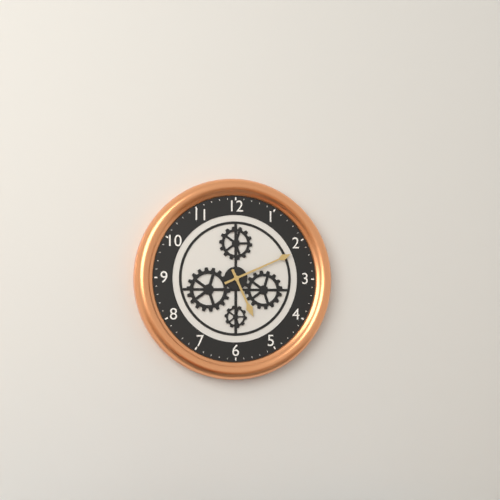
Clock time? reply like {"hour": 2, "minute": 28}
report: {"hour": 5, "minute": 11}
